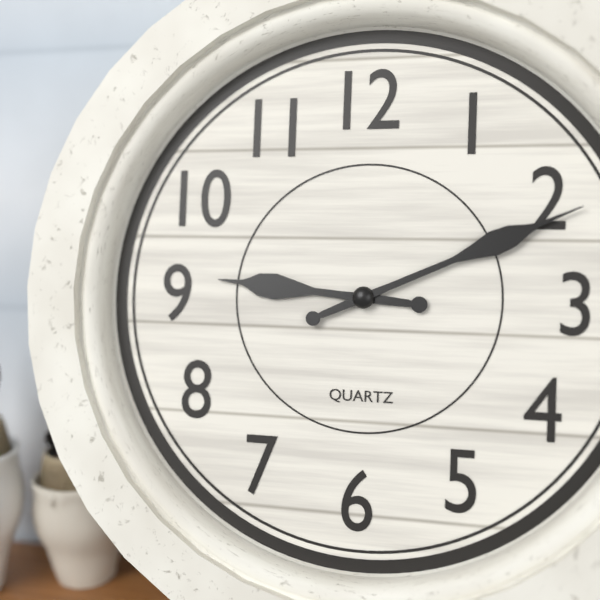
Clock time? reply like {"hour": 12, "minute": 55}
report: {"hour": 9, "minute": 11}
